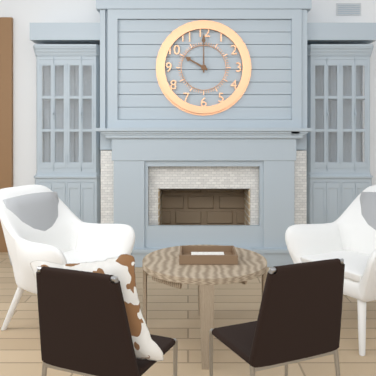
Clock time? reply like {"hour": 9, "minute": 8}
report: {"hour": 10, "minute": 0}
